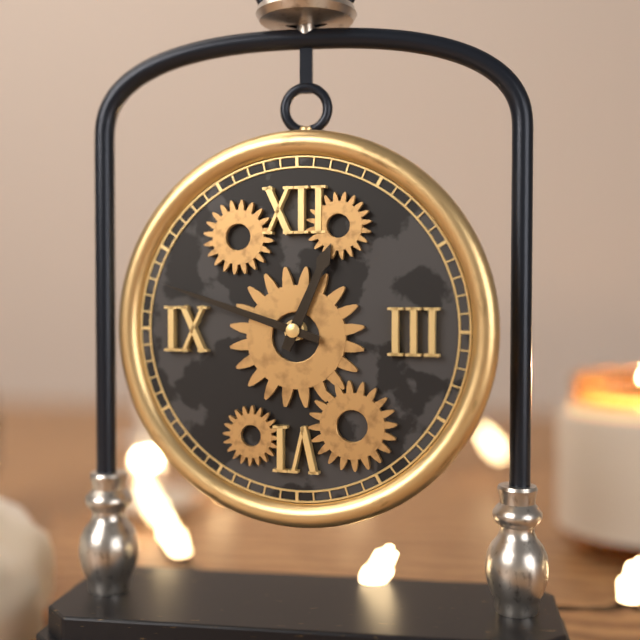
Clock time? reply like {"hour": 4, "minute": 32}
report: {"hour": 12, "minute": 48}
